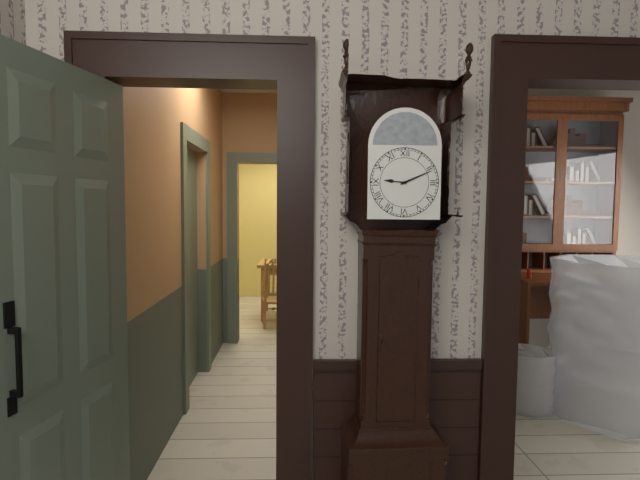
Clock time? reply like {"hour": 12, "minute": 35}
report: {"hour": 9, "minute": 11}
